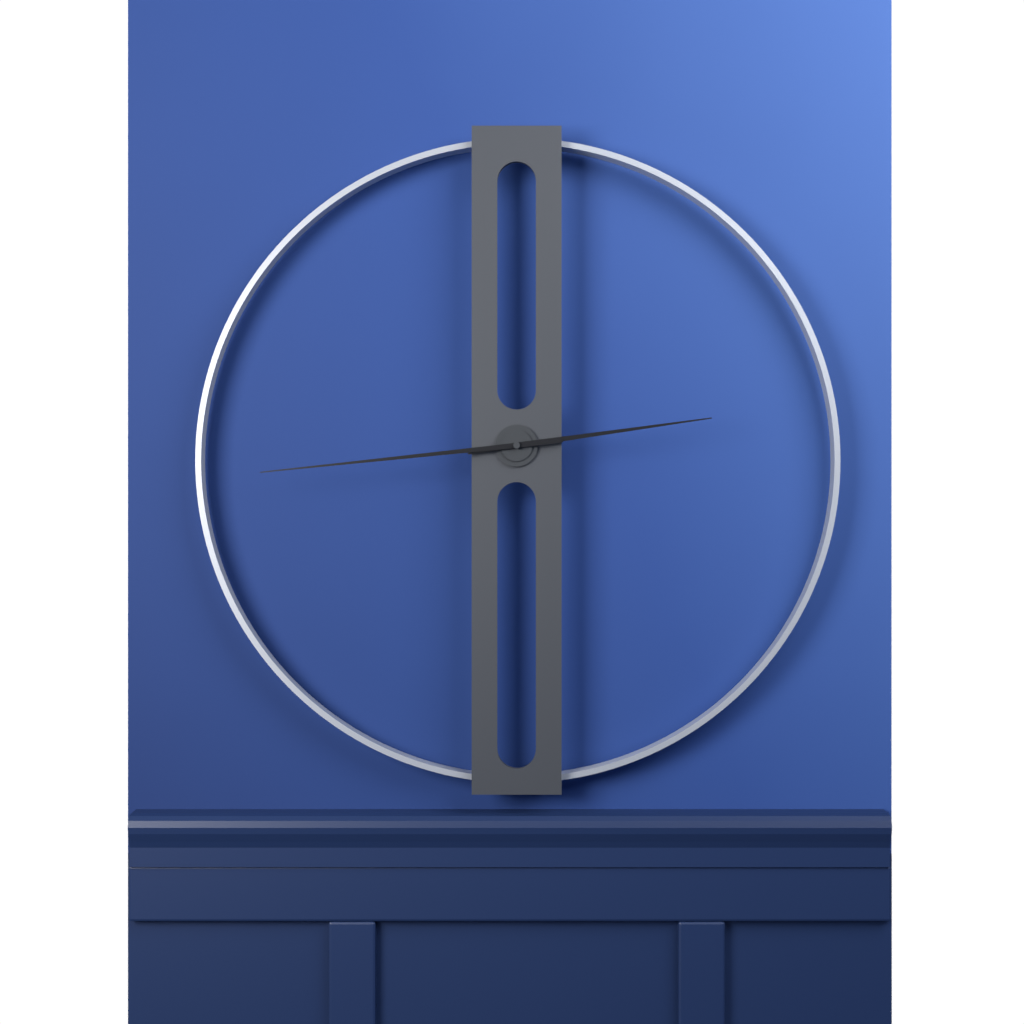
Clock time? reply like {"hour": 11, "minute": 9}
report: {"hour": 2, "minute": 44}
